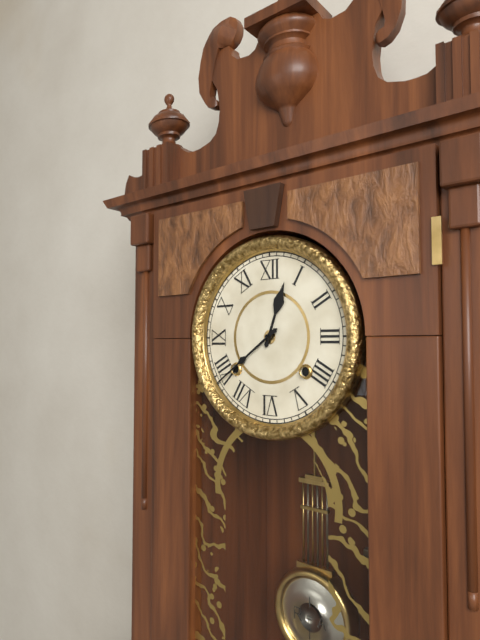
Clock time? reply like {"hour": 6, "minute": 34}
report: {"hour": 12, "minute": 39}
